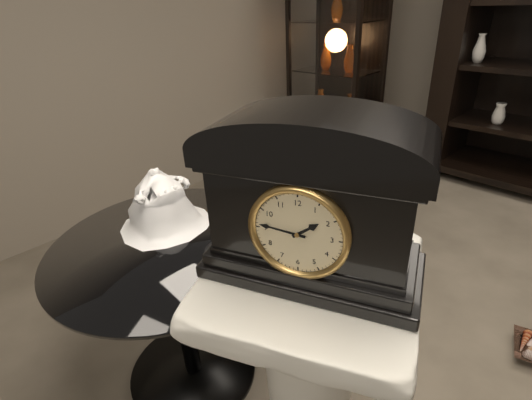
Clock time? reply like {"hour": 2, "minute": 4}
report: {"hour": 1, "minute": 46}
